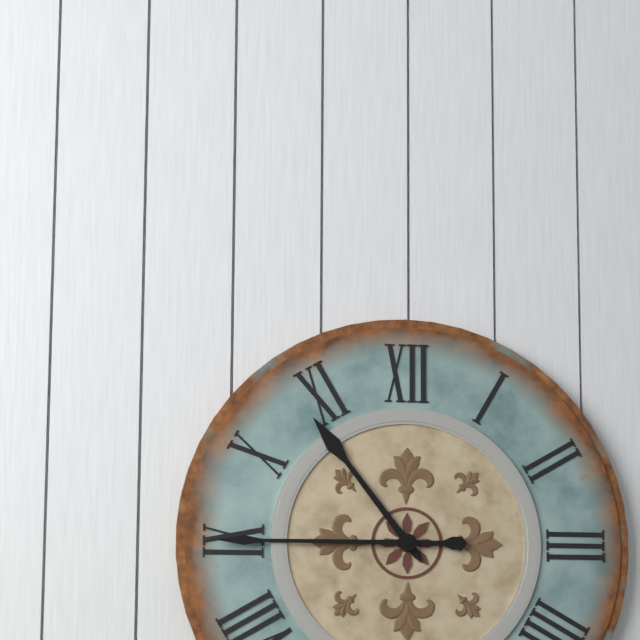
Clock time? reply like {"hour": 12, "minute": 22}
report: {"hour": 10, "minute": 45}
